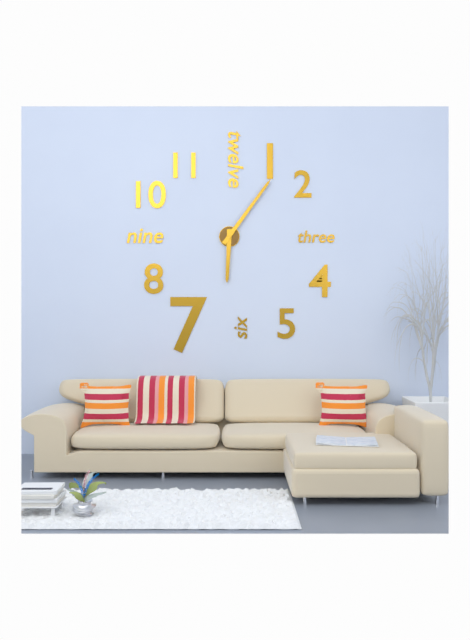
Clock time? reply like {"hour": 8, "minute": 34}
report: {"hour": 6, "minute": 6}
